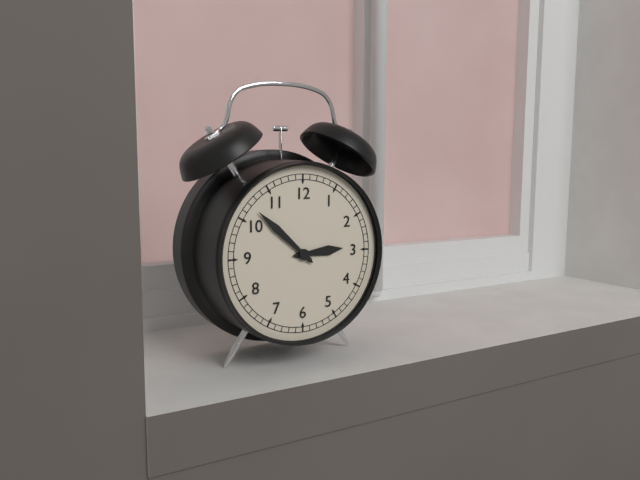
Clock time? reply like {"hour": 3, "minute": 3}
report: {"hour": 2, "minute": 52}
